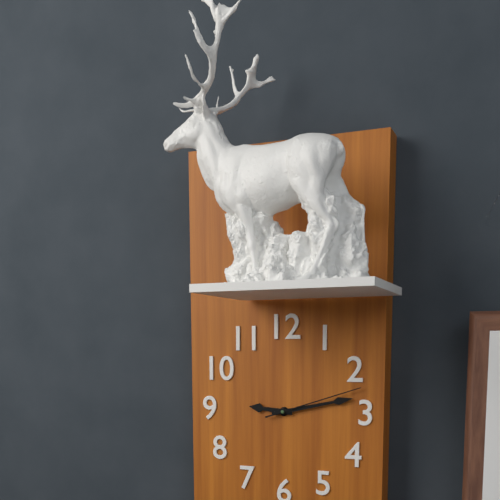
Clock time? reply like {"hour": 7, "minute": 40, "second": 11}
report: {"hour": 9, "minute": 13, "second": 12}
